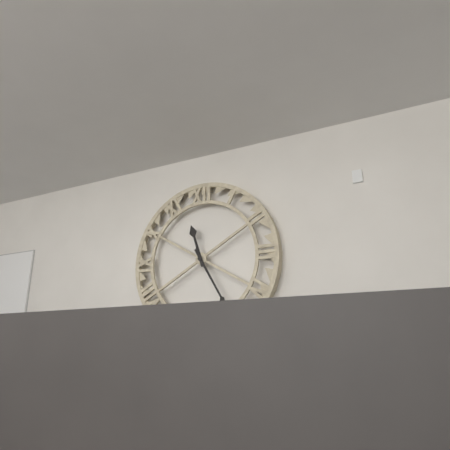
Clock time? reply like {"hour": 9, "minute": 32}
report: {"hour": 11, "minute": 25}
